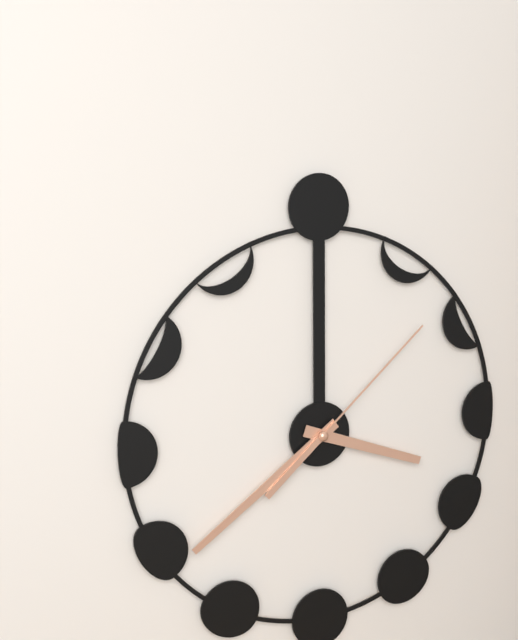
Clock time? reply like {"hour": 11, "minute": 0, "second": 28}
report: {"hour": 3, "minute": 39, "second": 8}
